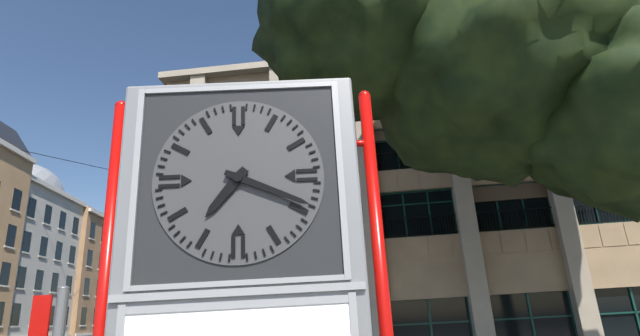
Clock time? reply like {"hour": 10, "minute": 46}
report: {"hour": 7, "minute": 19}
